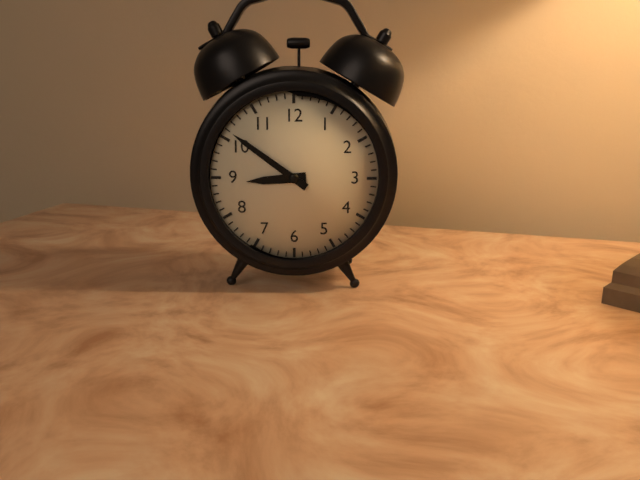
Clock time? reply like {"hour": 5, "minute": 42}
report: {"hour": 8, "minute": 51}
